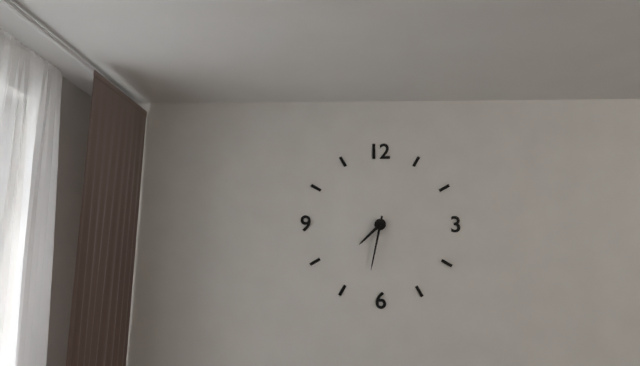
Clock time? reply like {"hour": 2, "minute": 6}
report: {"hour": 7, "minute": 32}
